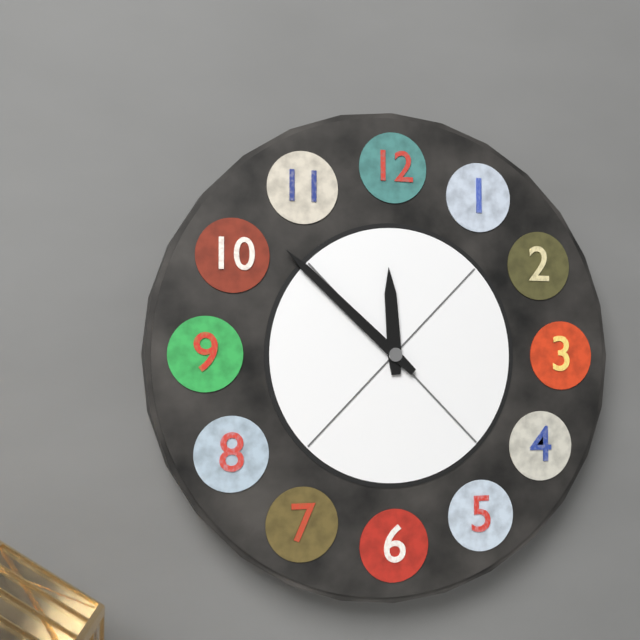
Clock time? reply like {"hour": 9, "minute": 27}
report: {"hour": 11, "minute": 52}
